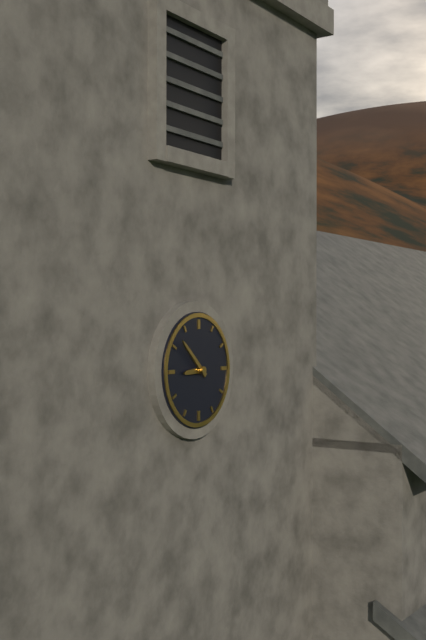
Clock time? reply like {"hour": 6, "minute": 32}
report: {"hour": 8, "minute": 52}
